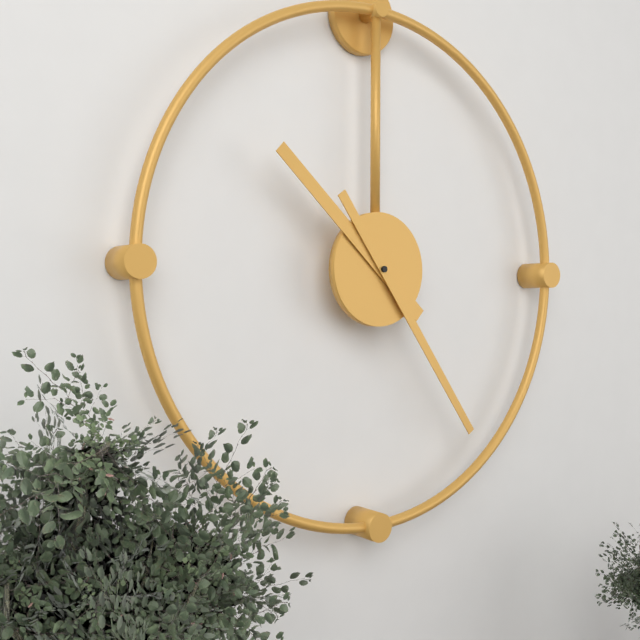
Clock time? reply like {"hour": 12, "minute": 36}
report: {"hour": 10, "minute": 24}
